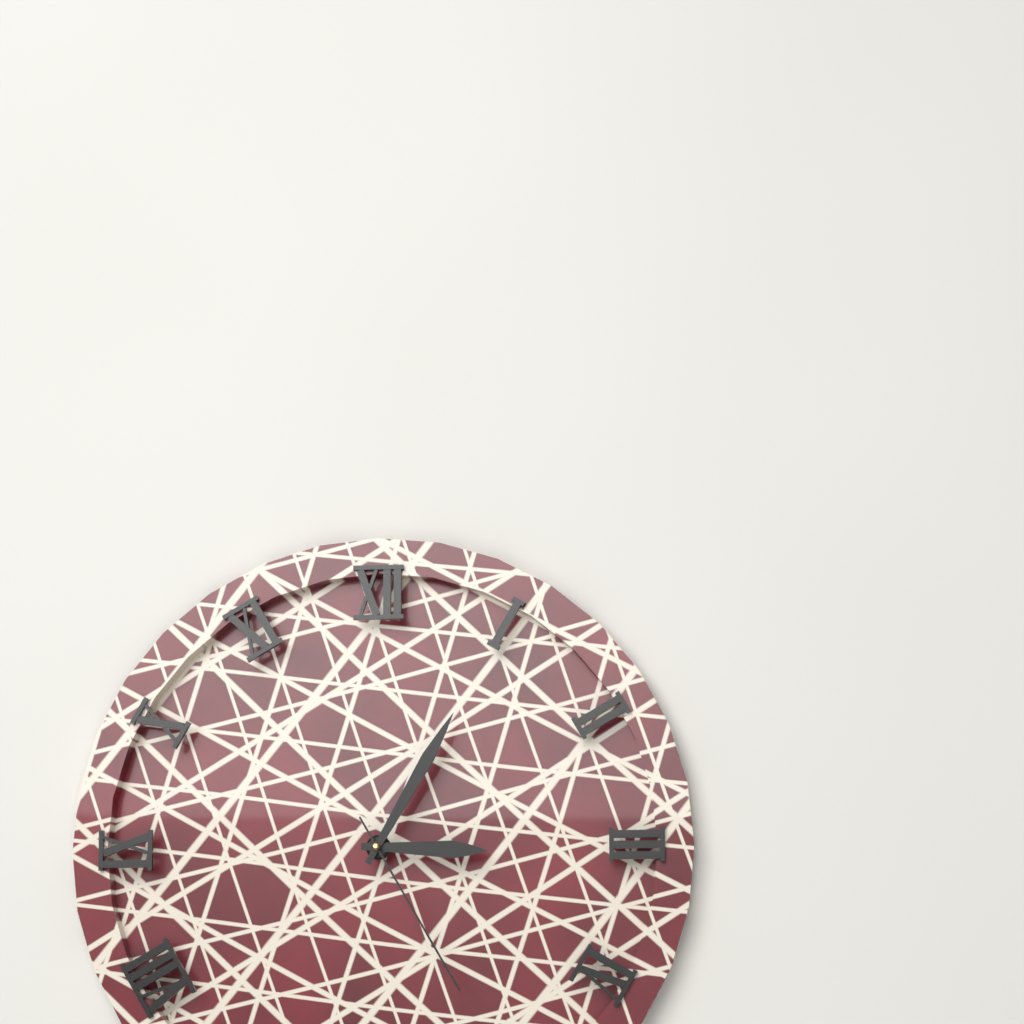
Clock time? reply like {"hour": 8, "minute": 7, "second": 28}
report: {"hour": 3, "minute": 5, "second": 25}
